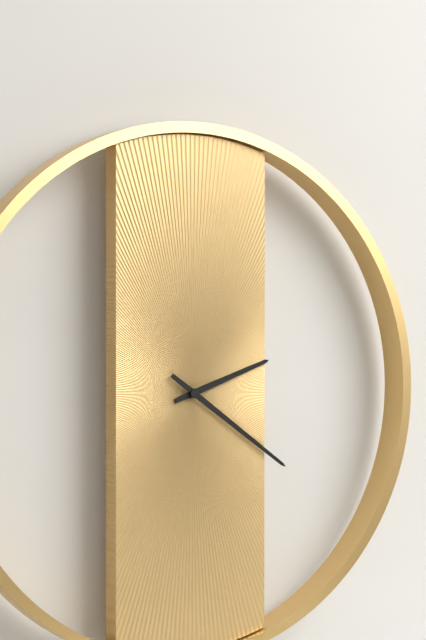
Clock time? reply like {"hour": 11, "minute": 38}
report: {"hour": 2, "minute": 21}
